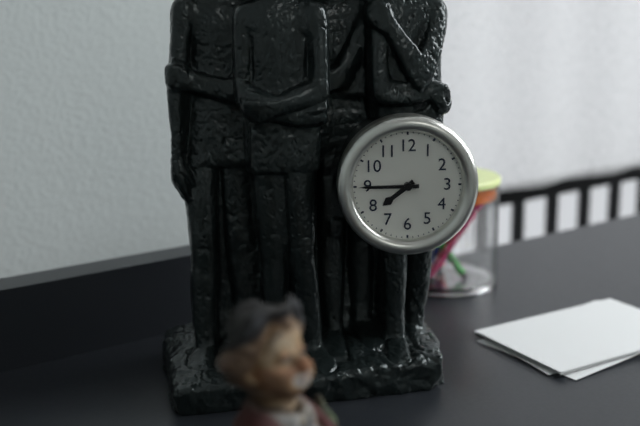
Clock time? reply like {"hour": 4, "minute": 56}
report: {"hour": 7, "minute": 45}
